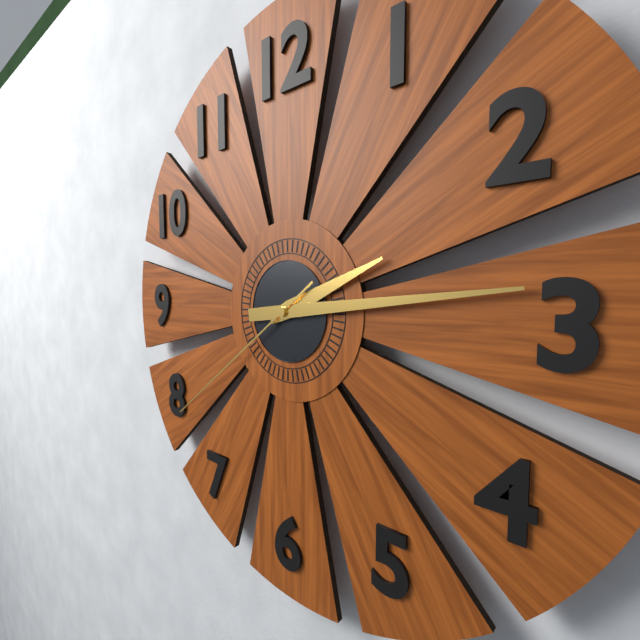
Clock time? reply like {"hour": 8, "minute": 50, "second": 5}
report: {"hour": 2, "minute": 14, "second": 39}
